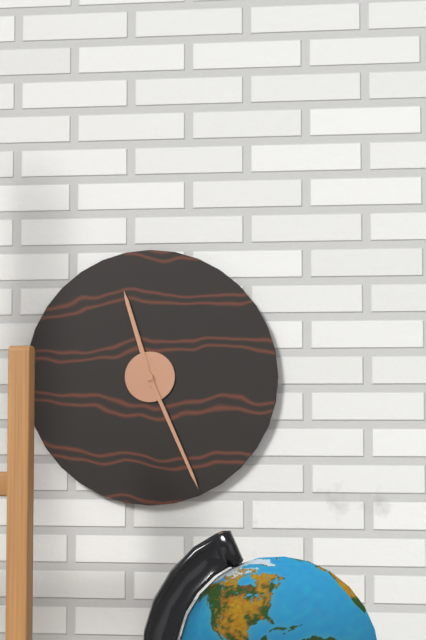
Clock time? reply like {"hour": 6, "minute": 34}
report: {"hour": 11, "minute": 26}
